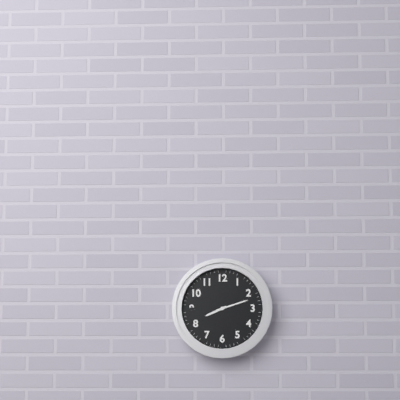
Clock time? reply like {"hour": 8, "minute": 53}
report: {"hour": 8, "minute": 12}
